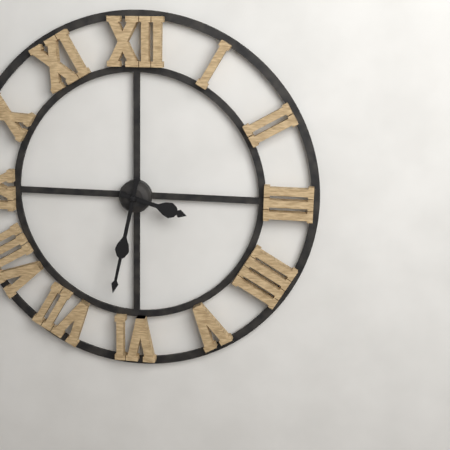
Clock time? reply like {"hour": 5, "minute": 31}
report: {"hour": 3, "minute": 32}
